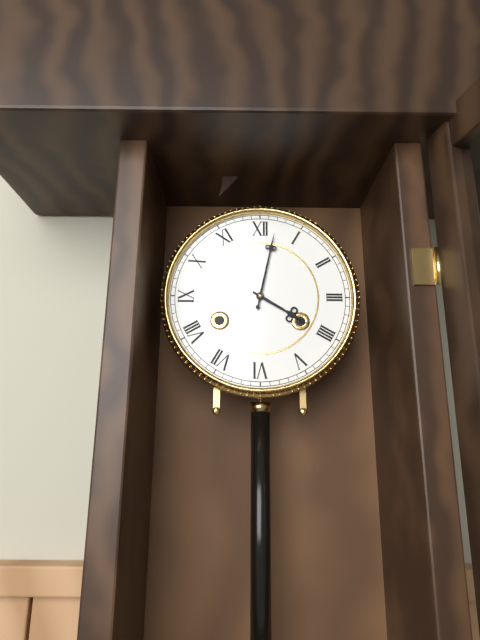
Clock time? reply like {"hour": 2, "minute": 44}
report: {"hour": 4, "minute": 2}
